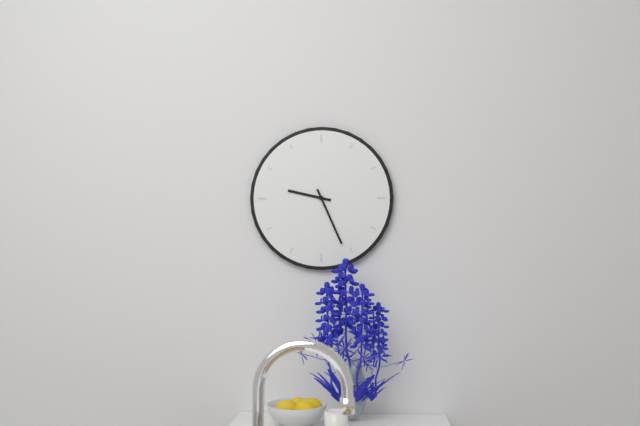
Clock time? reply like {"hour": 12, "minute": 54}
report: {"hour": 9, "minute": 26}
